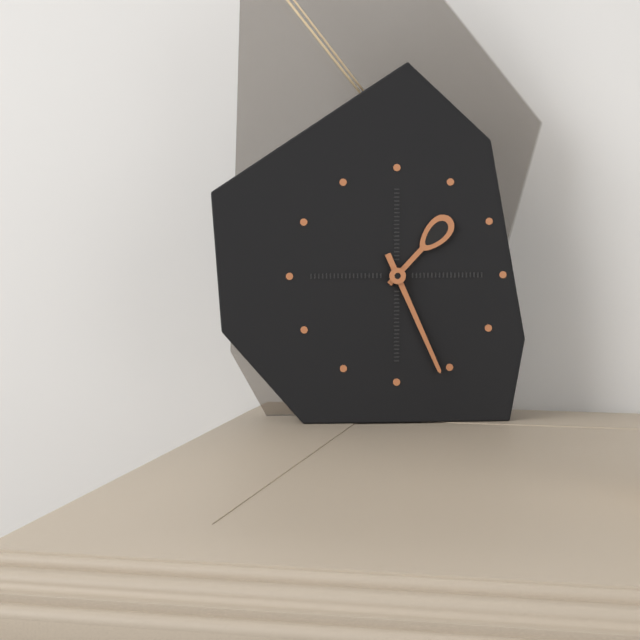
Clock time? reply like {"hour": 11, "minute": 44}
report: {"hour": 1, "minute": 26}
